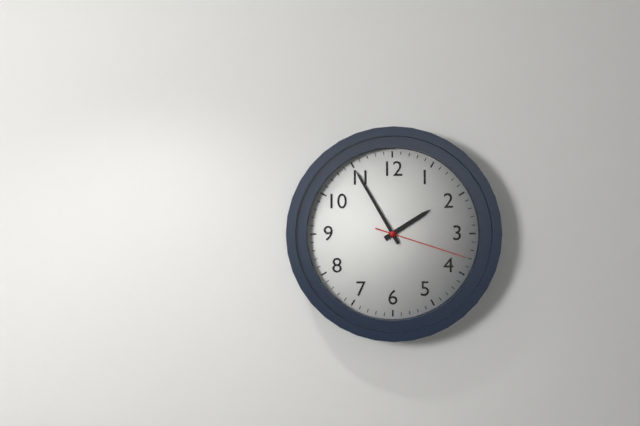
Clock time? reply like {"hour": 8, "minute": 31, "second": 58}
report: {"hour": 1, "minute": 55, "second": 18}
